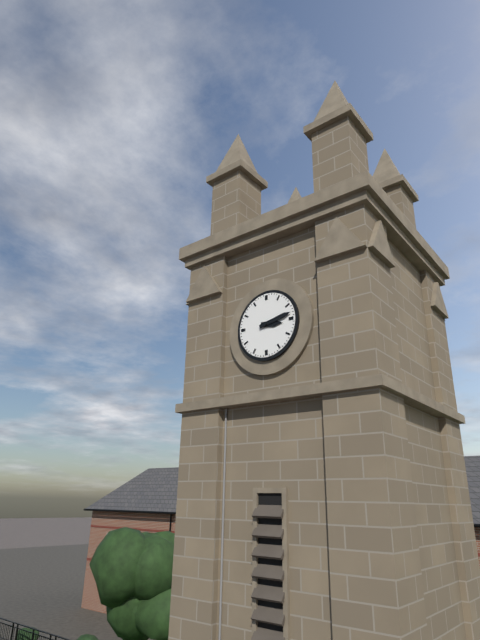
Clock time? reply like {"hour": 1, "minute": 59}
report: {"hour": 3, "minute": 13}
